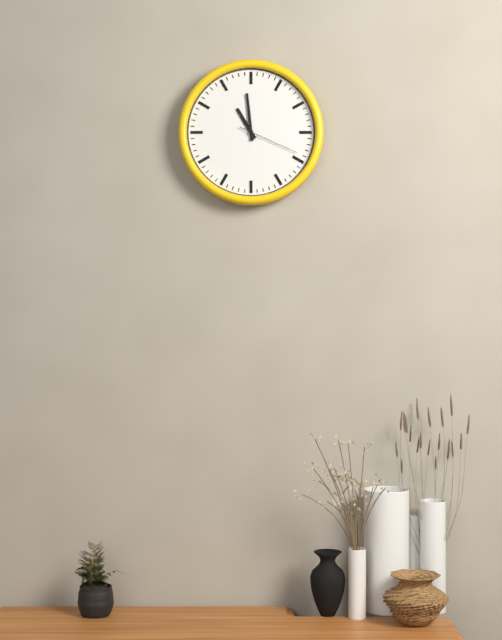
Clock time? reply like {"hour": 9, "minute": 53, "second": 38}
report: {"hour": 10, "minute": 59, "second": 19}
